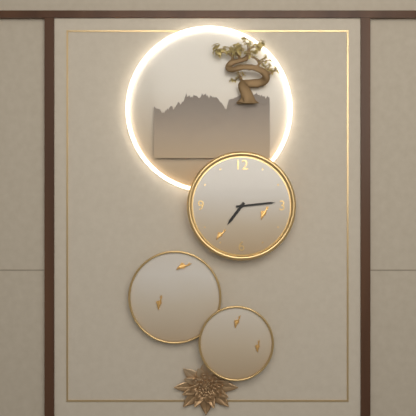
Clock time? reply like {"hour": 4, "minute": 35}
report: {"hour": 7, "minute": 14}
